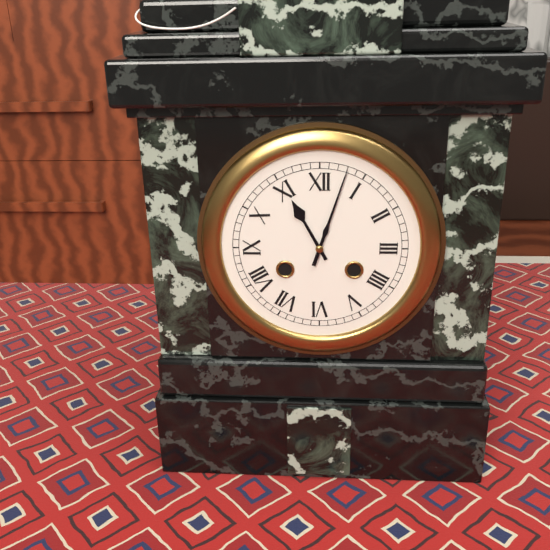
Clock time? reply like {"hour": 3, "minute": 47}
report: {"hour": 11, "minute": 3}
